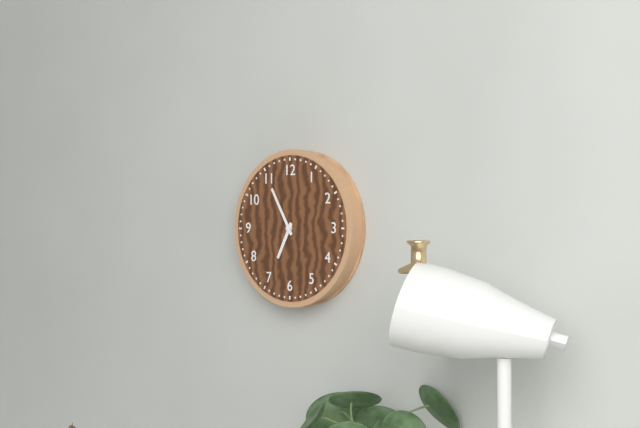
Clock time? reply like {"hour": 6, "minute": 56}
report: {"hour": 6, "minute": 55}
